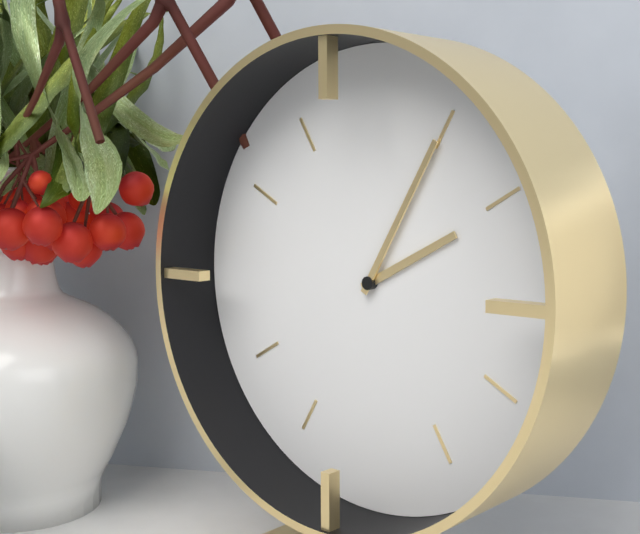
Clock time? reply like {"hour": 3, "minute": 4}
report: {"hour": 2, "minute": 5}
